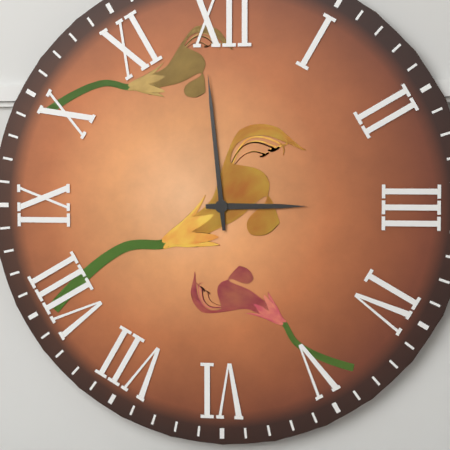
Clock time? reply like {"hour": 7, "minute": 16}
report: {"hour": 2, "minute": 59}
